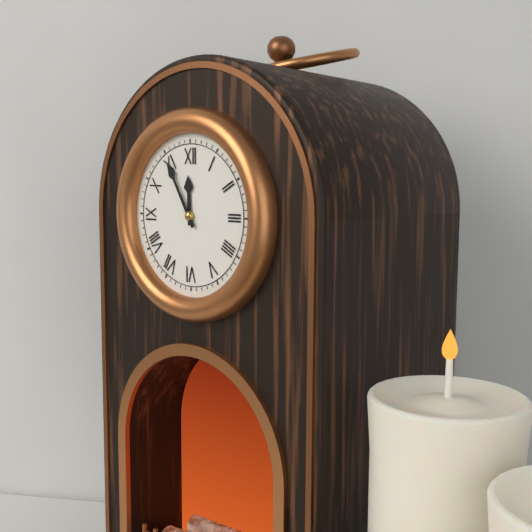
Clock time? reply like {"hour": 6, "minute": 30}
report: {"hour": 11, "minute": 55}
